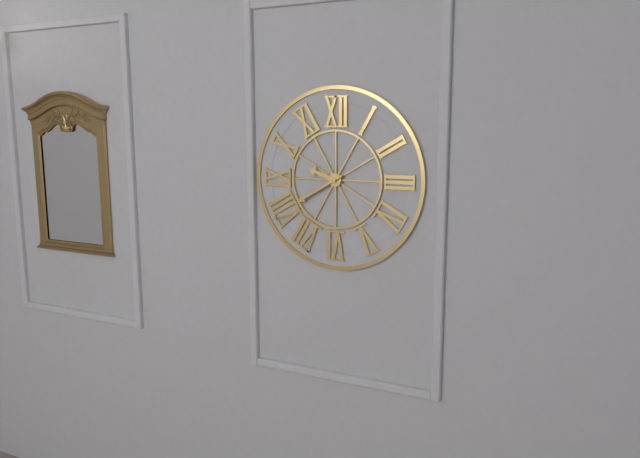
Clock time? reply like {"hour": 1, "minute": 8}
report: {"hour": 9, "minute": 40}
